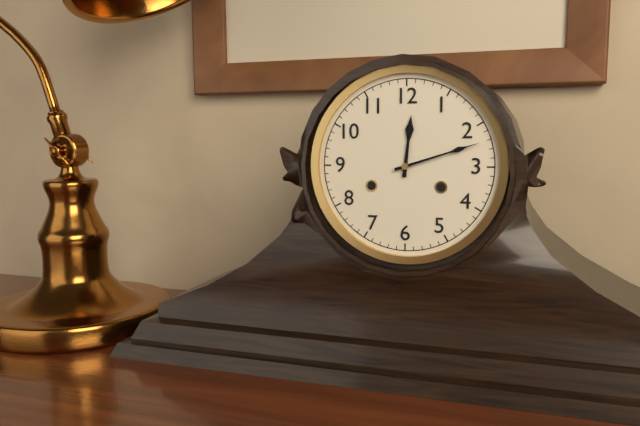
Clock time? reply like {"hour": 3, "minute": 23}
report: {"hour": 12, "minute": 12}
